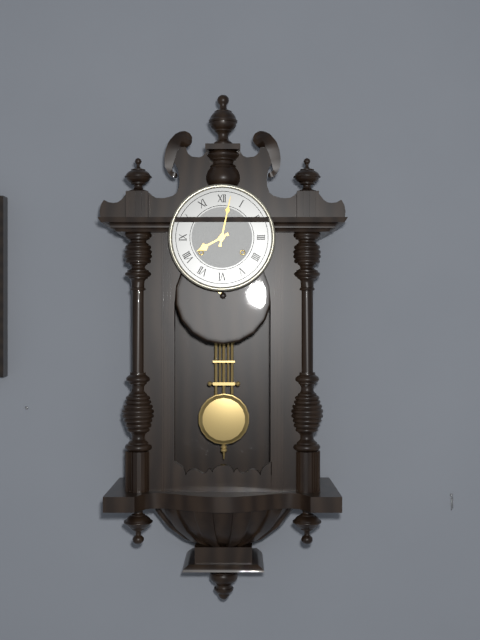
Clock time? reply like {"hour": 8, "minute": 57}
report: {"hour": 8, "minute": 2}
